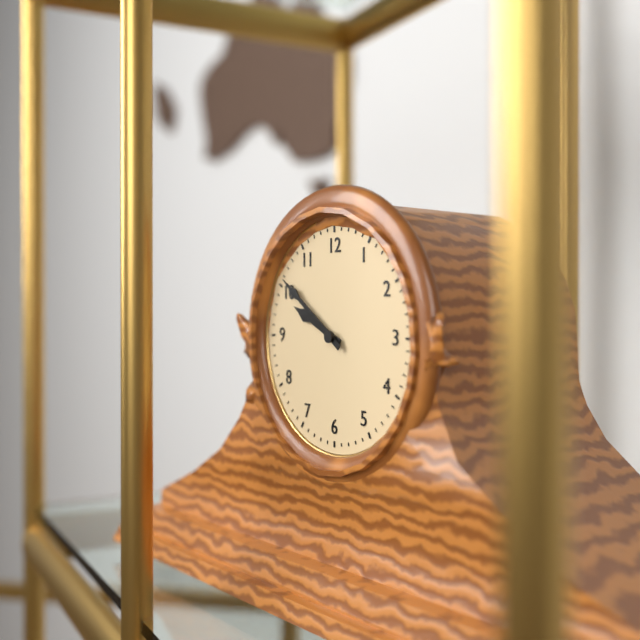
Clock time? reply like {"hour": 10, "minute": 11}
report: {"hour": 9, "minute": 51}
